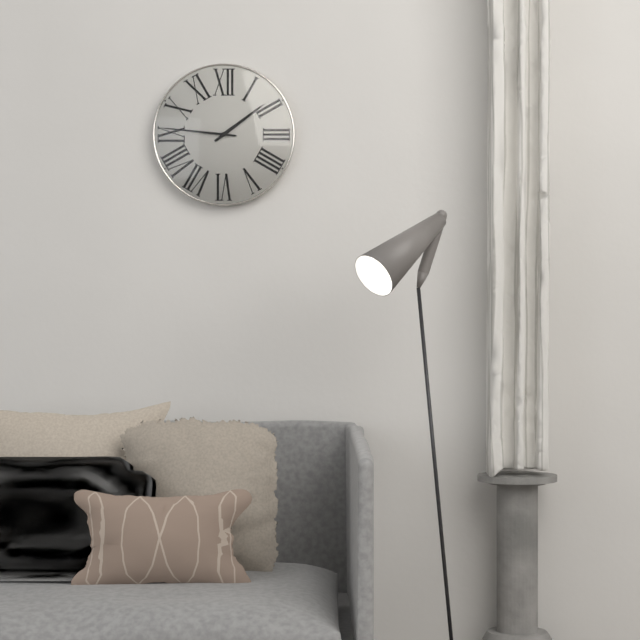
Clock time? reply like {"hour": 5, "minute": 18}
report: {"hour": 1, "minute": 46}
